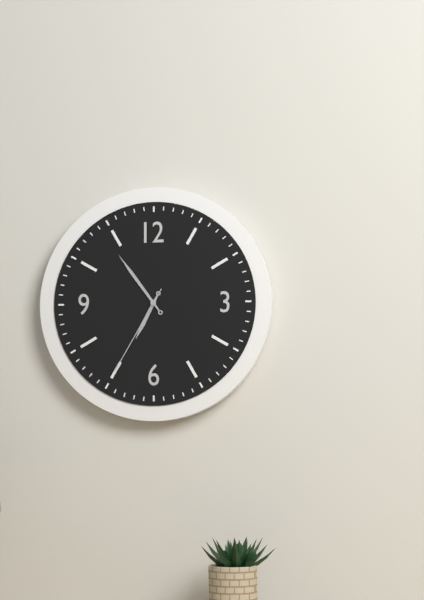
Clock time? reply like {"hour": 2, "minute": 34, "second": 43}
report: {"hour": 6, "minute": 54, "second": 35}
